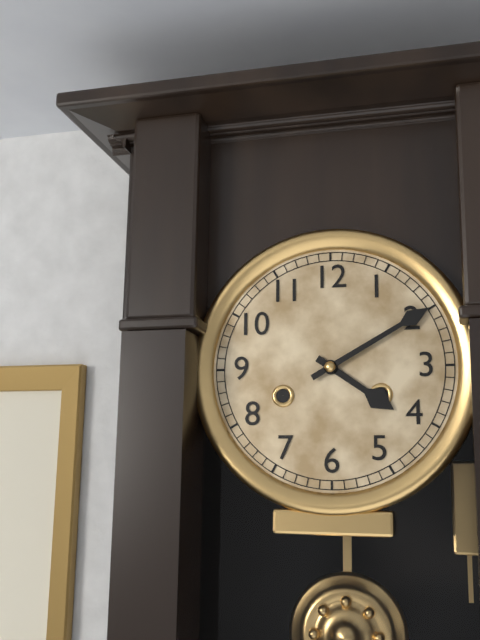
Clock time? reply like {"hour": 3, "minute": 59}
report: {"hour": 4, "minute": 10}
